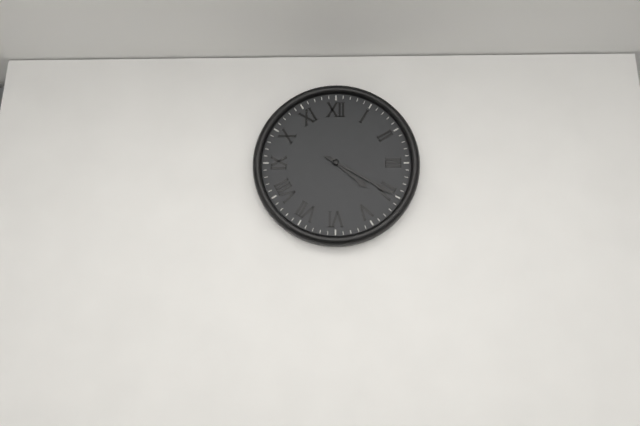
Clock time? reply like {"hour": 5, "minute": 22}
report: {"hour": 4, "minute": 20}
